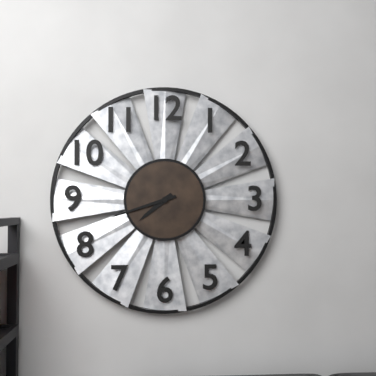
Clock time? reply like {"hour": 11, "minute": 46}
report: {"hour": 7, "minute": 42}
